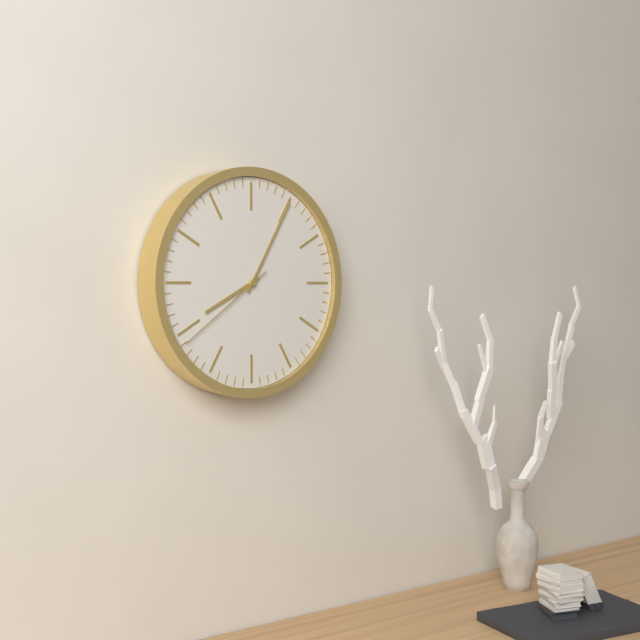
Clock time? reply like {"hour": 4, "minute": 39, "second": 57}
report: {"hour": 8, "minute": 5, "second": 39}
